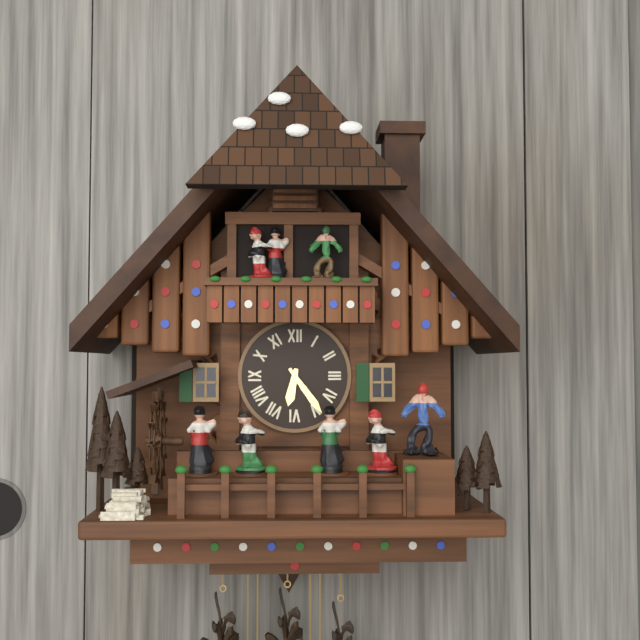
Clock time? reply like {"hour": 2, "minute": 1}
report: {"hour": 6, "minute": 24}
